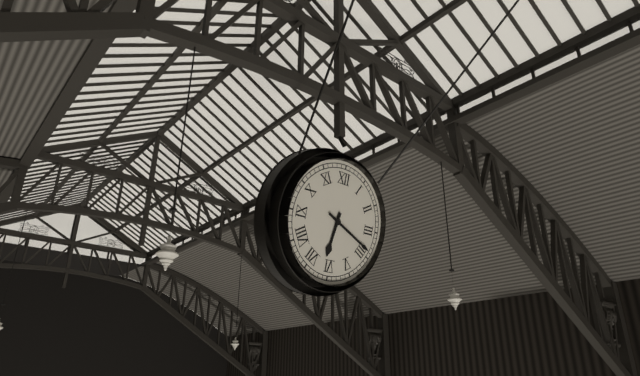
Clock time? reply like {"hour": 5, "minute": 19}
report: {"hour": 6, "minute": 19}
